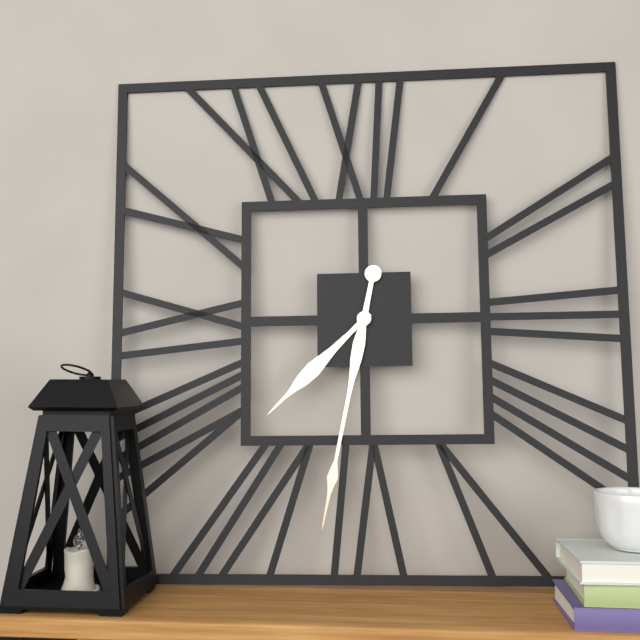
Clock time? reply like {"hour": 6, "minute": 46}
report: {"hour": 7, "minute": 32}
